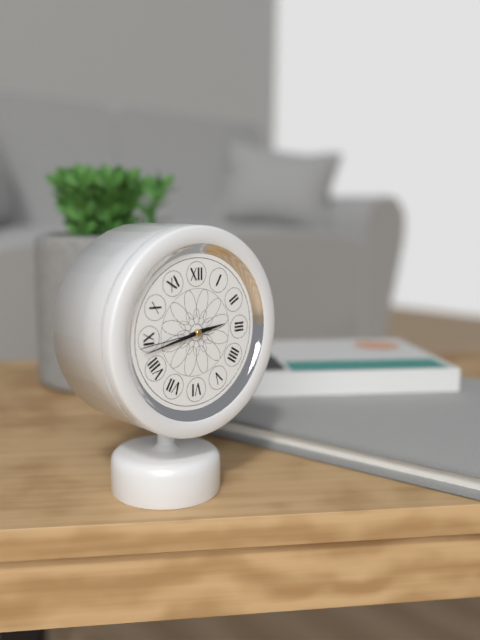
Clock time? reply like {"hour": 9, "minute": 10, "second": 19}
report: {"hour": 2, "minute": 43, "second": 44}
